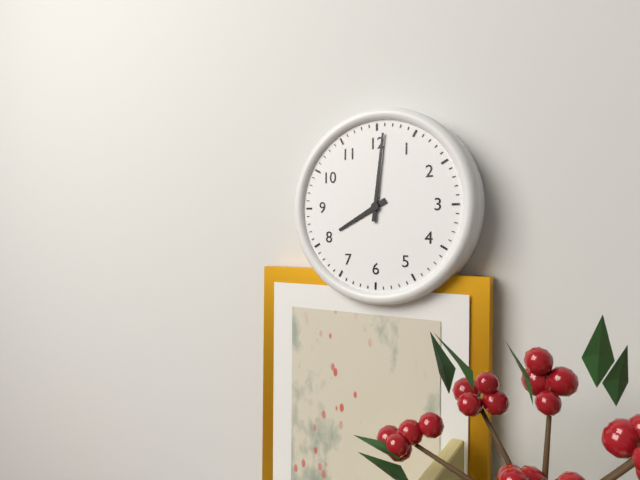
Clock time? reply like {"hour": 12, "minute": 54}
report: {"hour": 8, "minute": 1}
